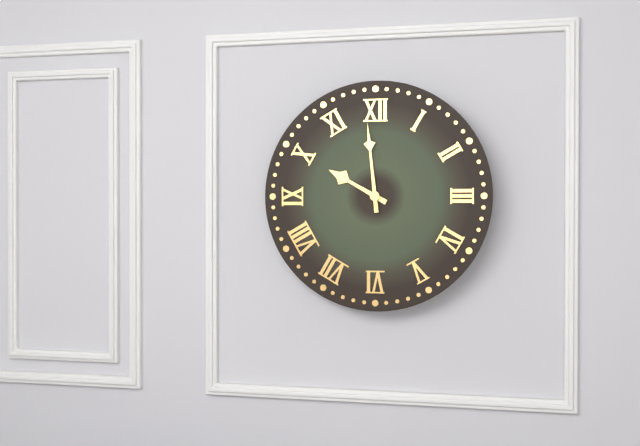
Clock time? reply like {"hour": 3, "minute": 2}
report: {"hour": 9, "minute": 59}
